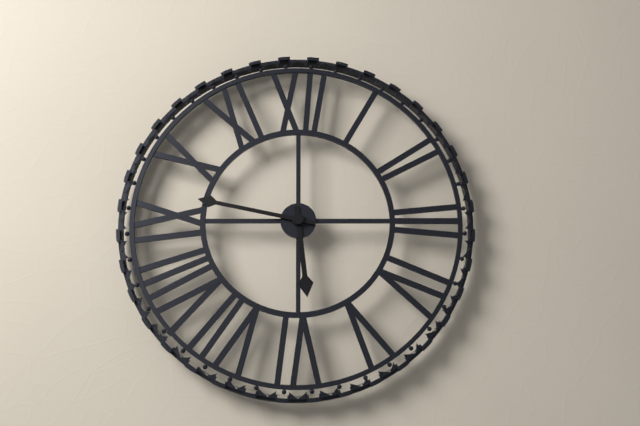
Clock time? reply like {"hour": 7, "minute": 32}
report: {"hour": 5, "minute": 47}
